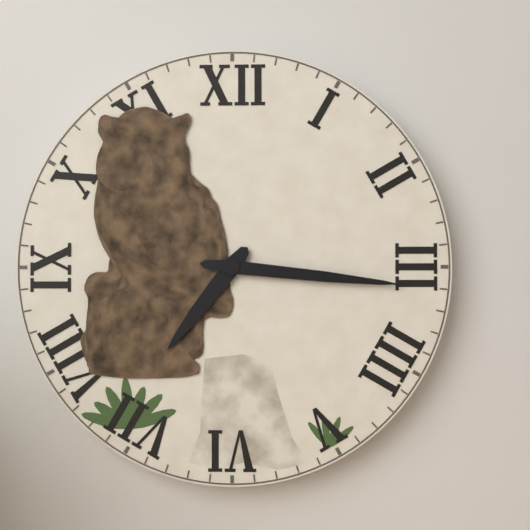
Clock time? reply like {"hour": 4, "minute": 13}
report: {"hour": 7, "minute": 16}
